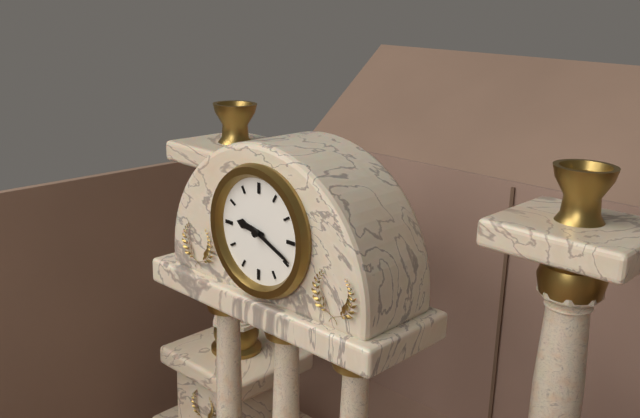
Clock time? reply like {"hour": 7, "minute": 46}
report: {"hour": 9, "minute": 19}
